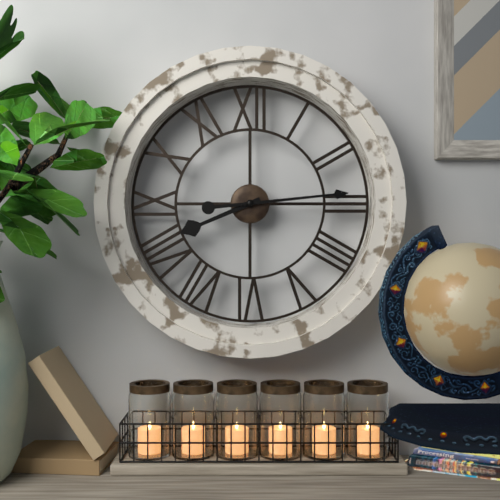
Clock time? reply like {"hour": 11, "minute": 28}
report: {"hour": 8, "minute": 14}
